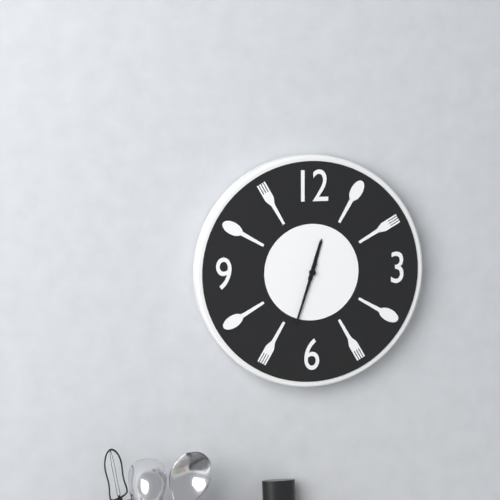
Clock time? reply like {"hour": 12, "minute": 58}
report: {"hour": 12, "minute": 33}
